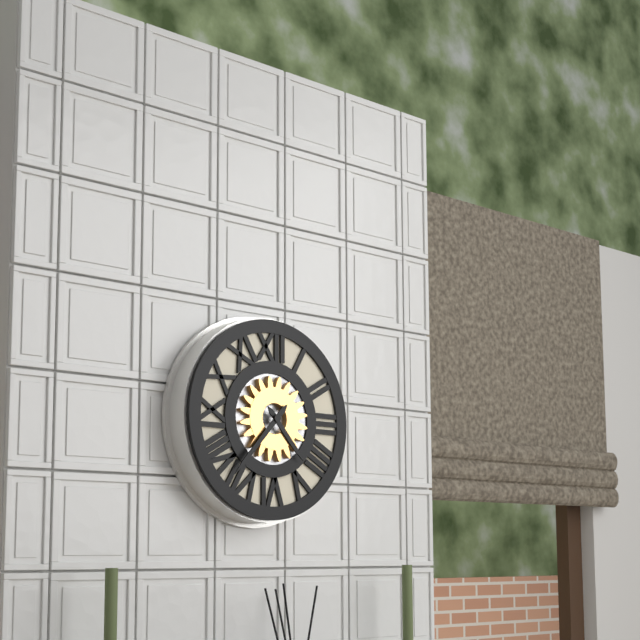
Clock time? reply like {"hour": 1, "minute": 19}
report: {"hour": 4, "minute": 37}
